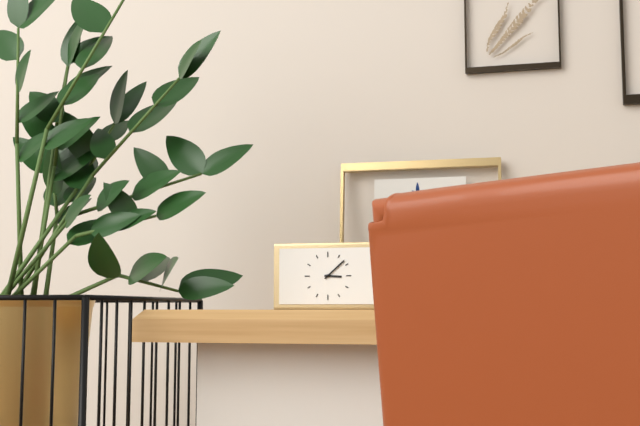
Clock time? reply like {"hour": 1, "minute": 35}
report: {"hour": 3, "minute": 8}
